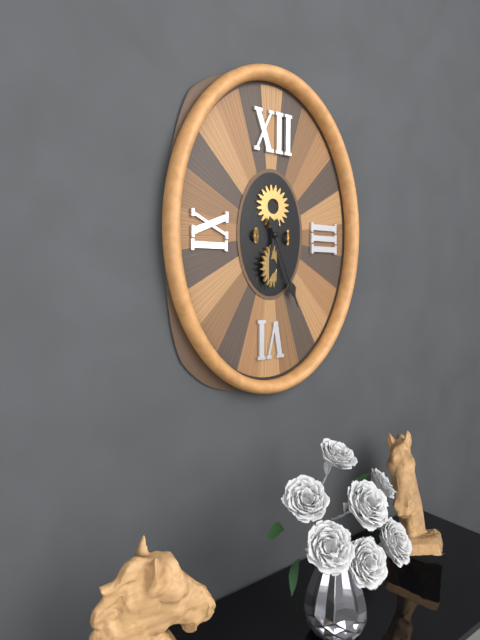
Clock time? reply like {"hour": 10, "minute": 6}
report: {"hour": 6, "minute": 26}
